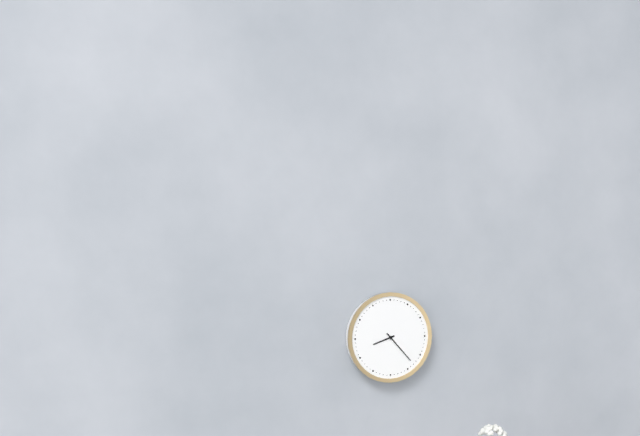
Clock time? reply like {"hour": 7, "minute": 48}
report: {"hour": 8, "minute": 23}
